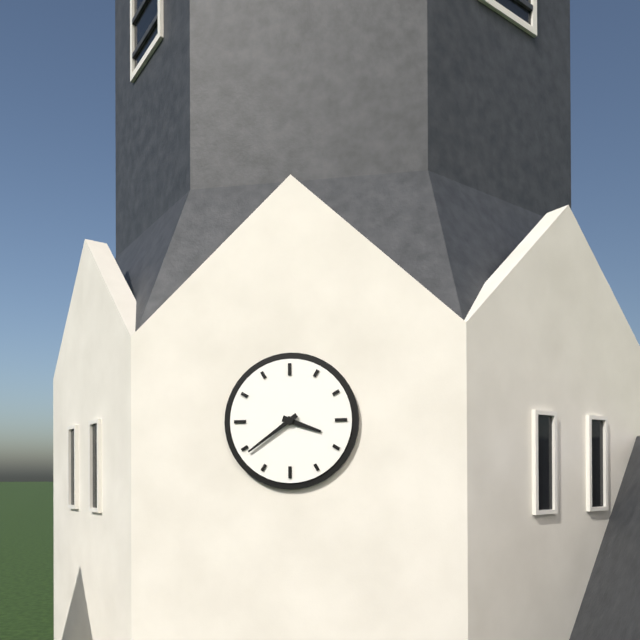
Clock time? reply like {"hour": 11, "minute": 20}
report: {"hour": 3, "minute": 39}
